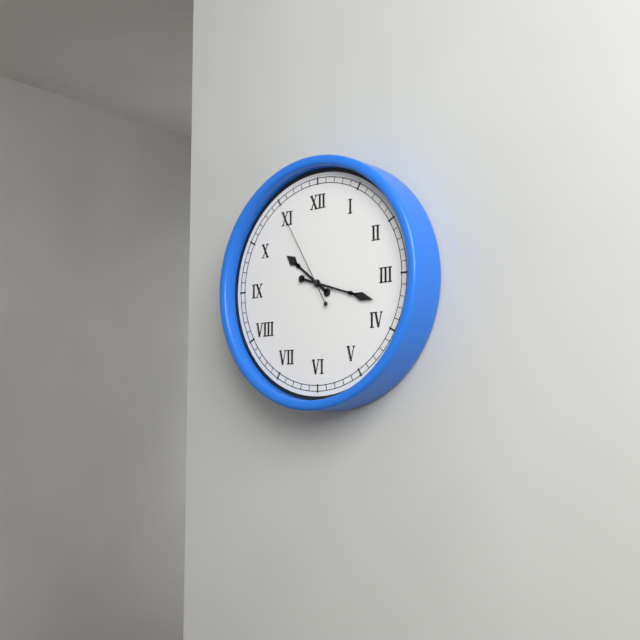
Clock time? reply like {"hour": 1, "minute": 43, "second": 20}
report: {"hour": 10, "minute": 18, "second": 55}
